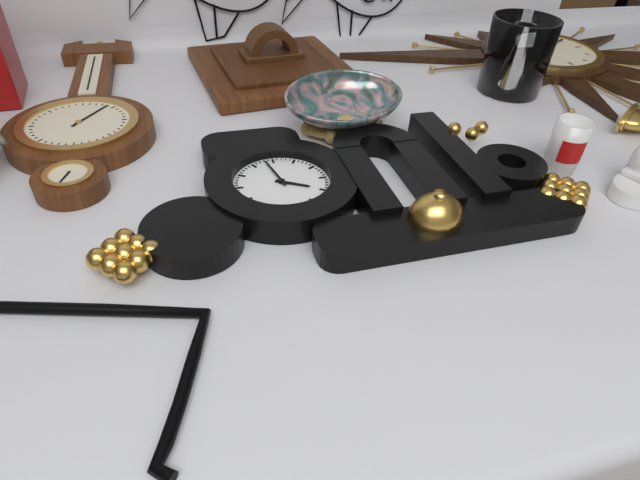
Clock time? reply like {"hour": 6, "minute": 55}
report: {"hour": 3, "minute": 58}
